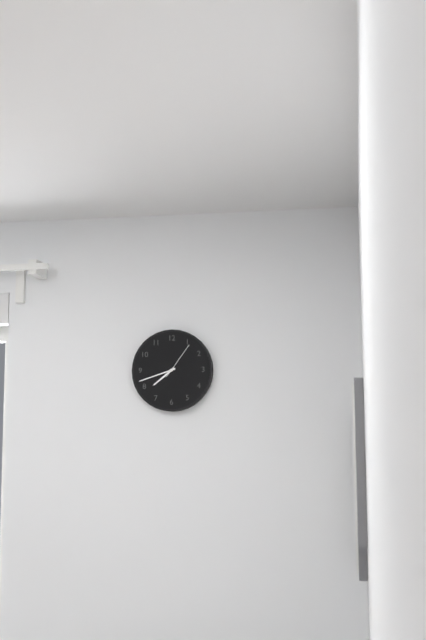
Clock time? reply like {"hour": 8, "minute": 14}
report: {"hour": 7, "minute": 42}
